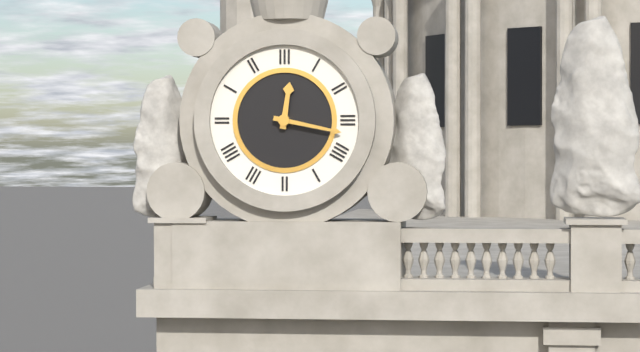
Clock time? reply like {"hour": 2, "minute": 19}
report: {"hour": 12, "minute": 17}
